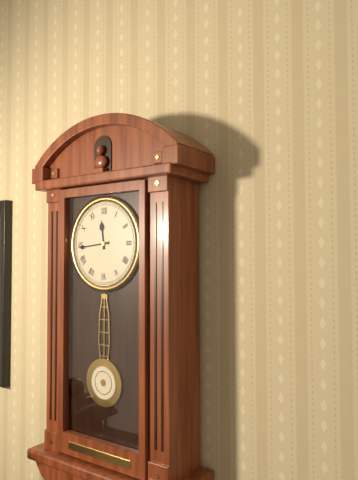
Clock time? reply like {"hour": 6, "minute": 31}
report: {"hour": 11, "minute": 44}
